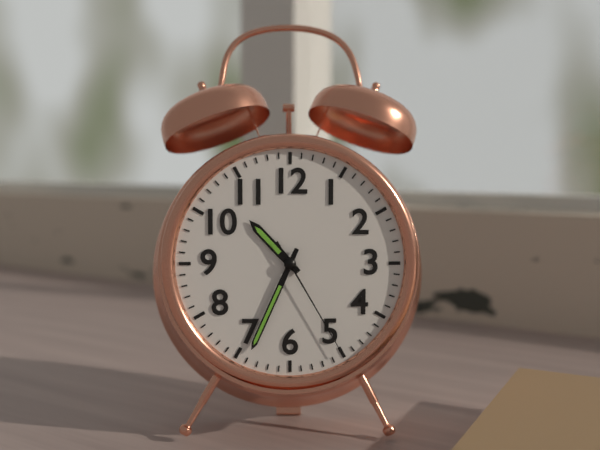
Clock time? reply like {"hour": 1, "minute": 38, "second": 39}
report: {"hour": 10, "minute": 34, "second": 25}
